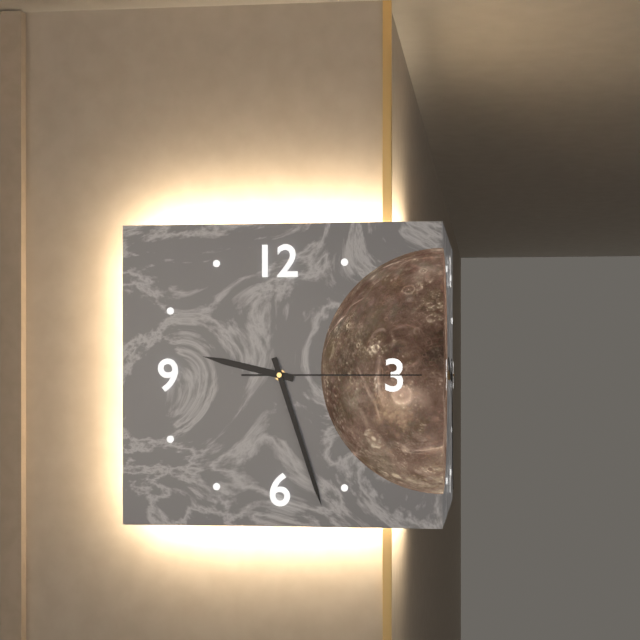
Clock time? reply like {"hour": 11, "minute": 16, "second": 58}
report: {"hour": 9, "minute": 27, "second": 15}
